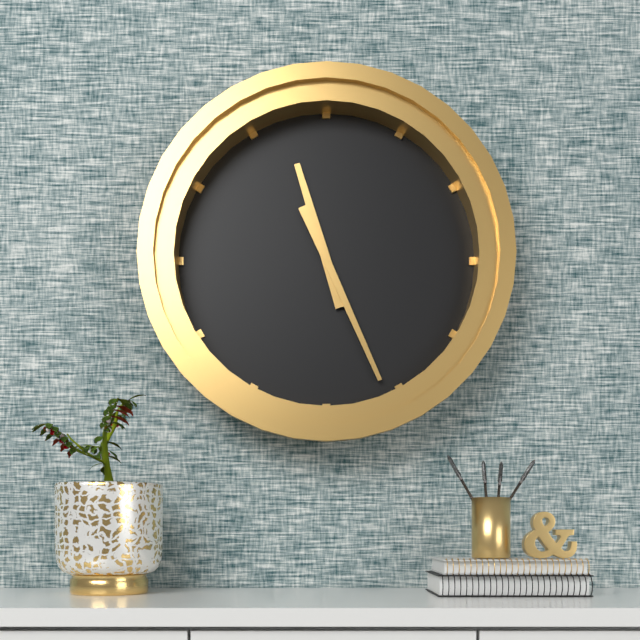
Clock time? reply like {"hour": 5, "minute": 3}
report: {"hour": 11, "minute": 26}
